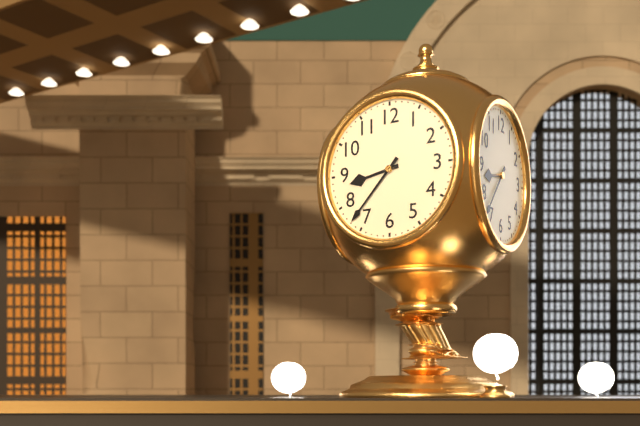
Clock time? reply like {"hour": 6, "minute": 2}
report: {"hour": 8, "minute": 37}
